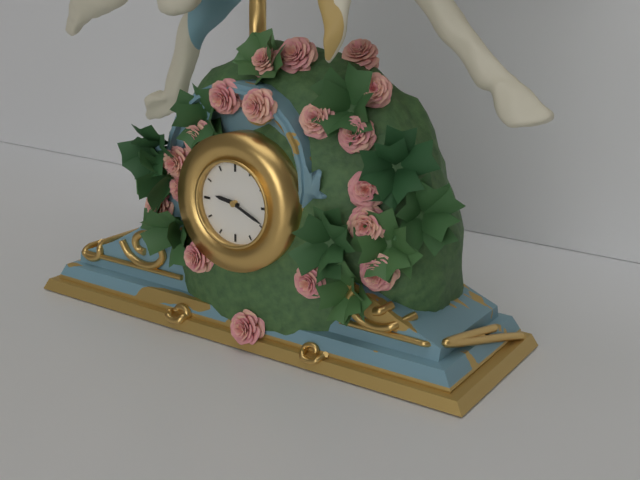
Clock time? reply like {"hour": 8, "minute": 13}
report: {"hour": 9, "minute": 19}
